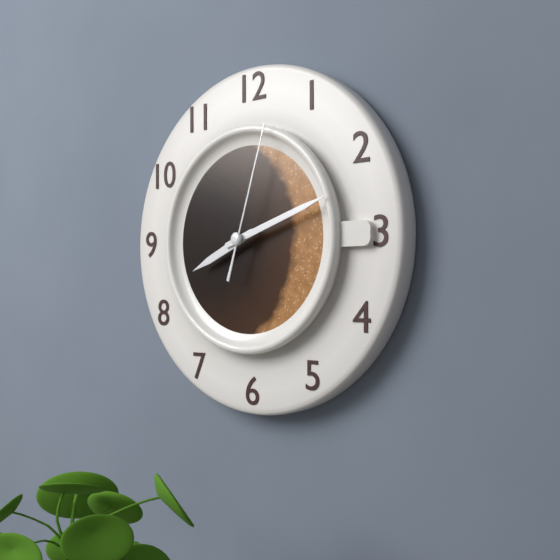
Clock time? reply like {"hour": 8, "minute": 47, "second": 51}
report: {"hour": 8, "minute": 12, "second": 3}
